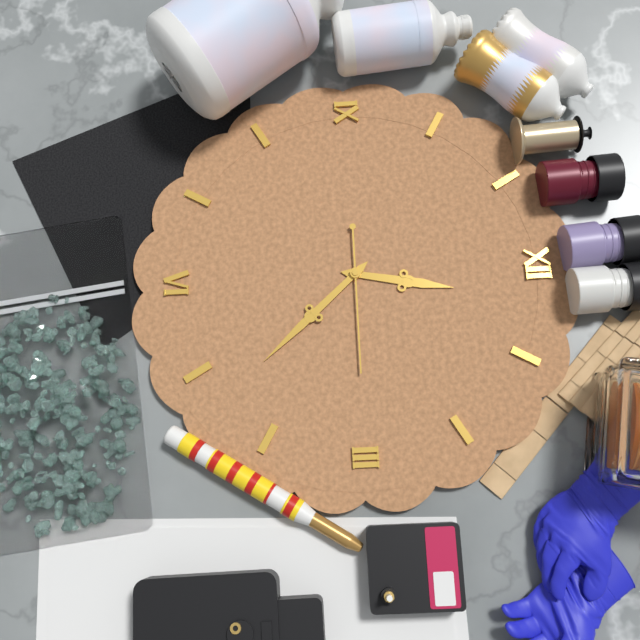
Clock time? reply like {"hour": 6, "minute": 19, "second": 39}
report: {"hour": 12, "minute": 23, "second": 15}
